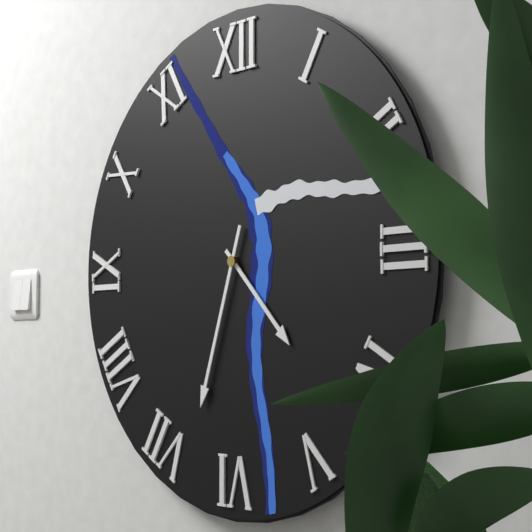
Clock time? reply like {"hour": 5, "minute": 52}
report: {"hour": 4, "minute": 33}
